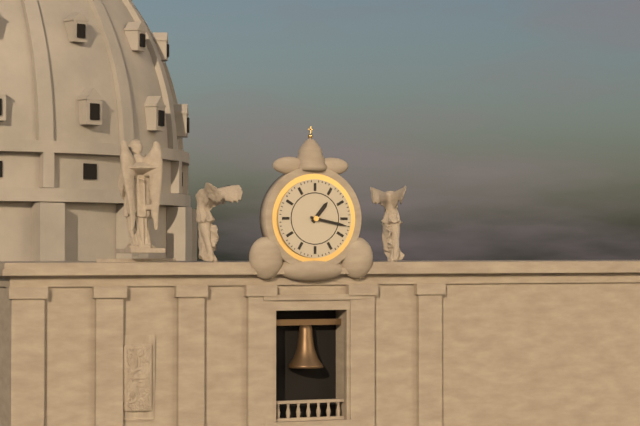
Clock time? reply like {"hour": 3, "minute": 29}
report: {"hour": 1, "minute": 17}
